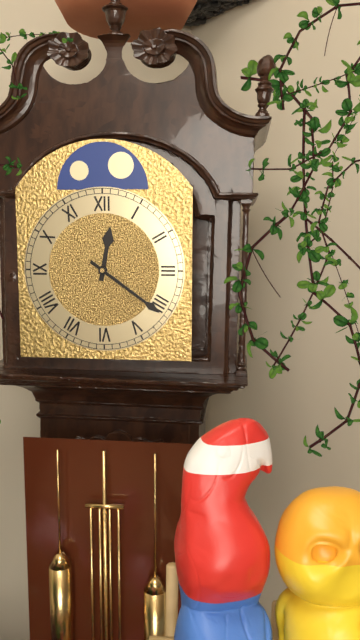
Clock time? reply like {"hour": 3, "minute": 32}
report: {"hour": 12, "minute": 21}
